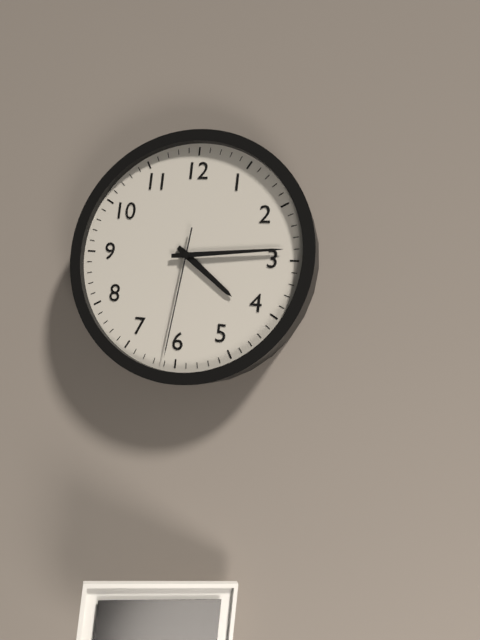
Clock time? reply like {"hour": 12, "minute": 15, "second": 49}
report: {"hour": 4, "minute": 14, "second": 31}
